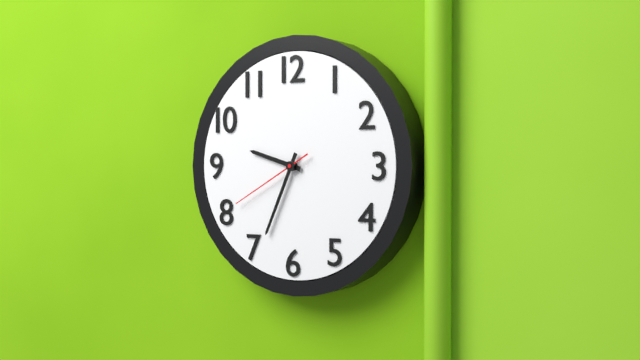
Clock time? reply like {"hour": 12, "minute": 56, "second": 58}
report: {"hour": 9, "minute": 34, "second": 40}
